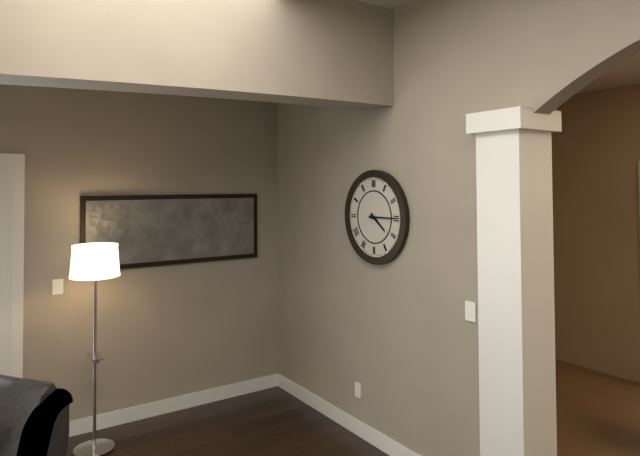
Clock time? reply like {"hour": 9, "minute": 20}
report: {"hour": 4, "minute": 15}
